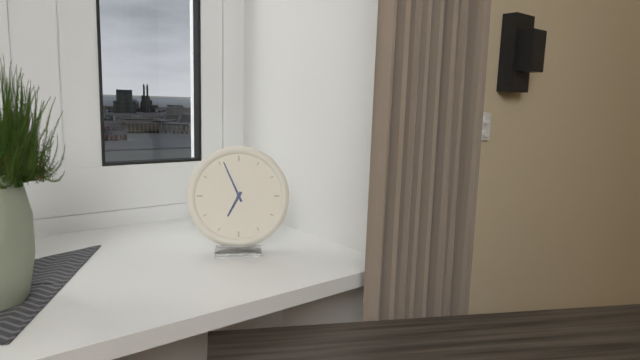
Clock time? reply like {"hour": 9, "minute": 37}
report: {"hour": 6, "minute": 56}
